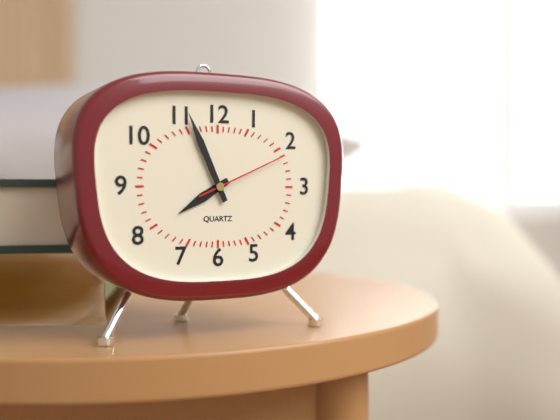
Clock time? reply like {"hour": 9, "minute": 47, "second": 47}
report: {"hour": 7, "minute": 56, "second": 11}
